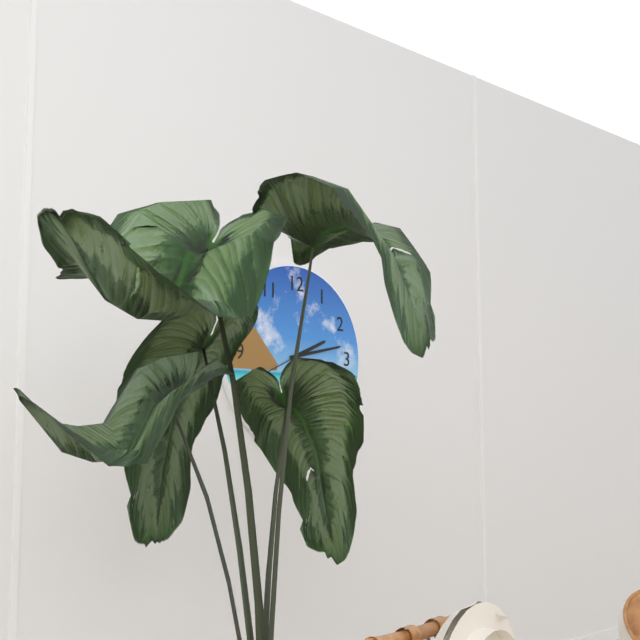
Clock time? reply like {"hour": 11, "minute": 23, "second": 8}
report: {"hour": 2, "minute": 13, "second": 41}
